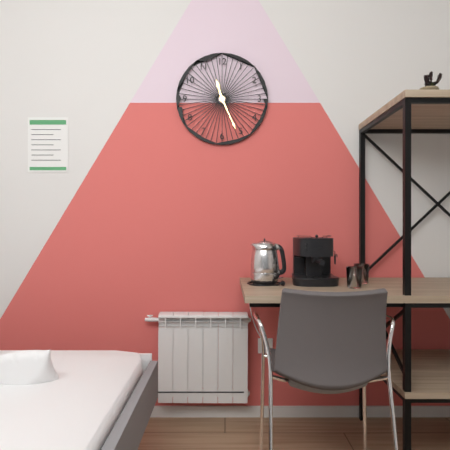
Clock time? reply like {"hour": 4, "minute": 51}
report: {"hour": 11, "minute": 26}
